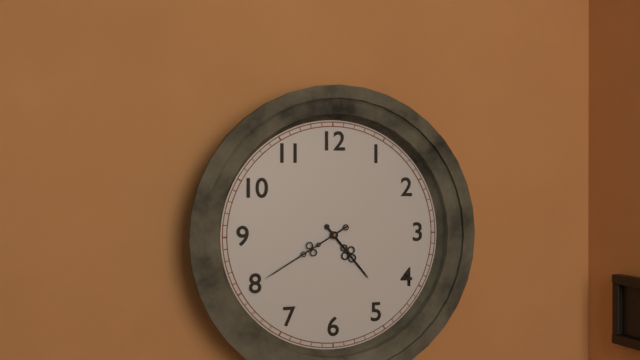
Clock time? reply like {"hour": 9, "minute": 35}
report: {"hour": 4, "minute": 40}
